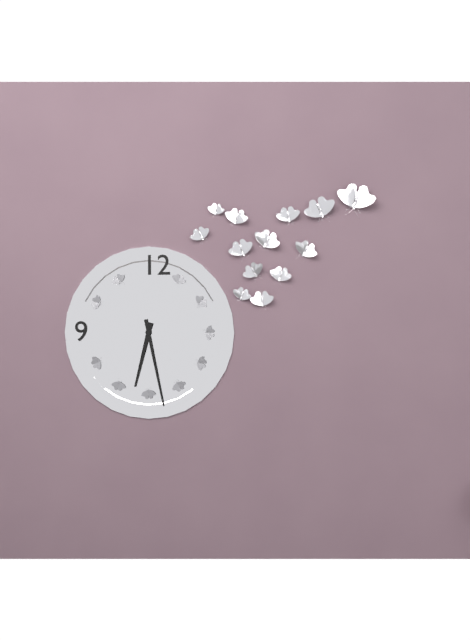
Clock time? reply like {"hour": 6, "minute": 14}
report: {"hour": 6, "minute": 28}
